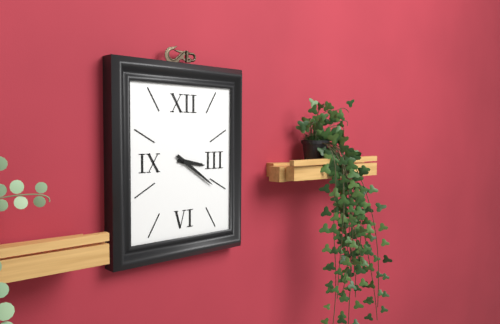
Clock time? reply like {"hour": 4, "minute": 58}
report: {"hour": 3, "minute": 21}
